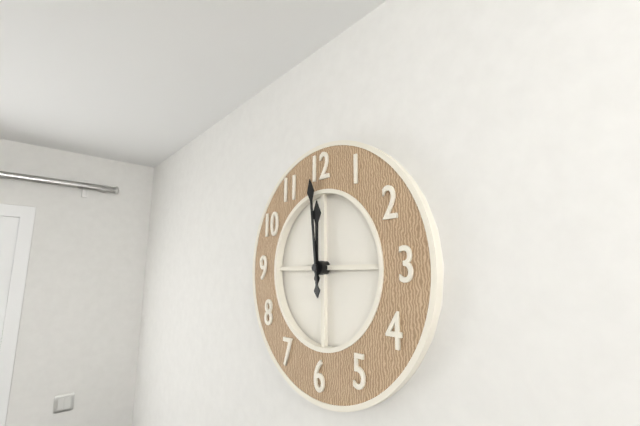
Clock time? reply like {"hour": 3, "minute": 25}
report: {"hour": 11, "minute": 59}
